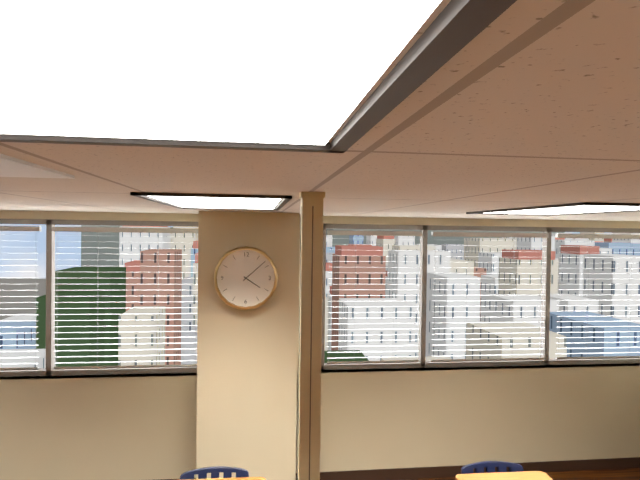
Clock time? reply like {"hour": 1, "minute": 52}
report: {"hour": 4, "minute": 8}
